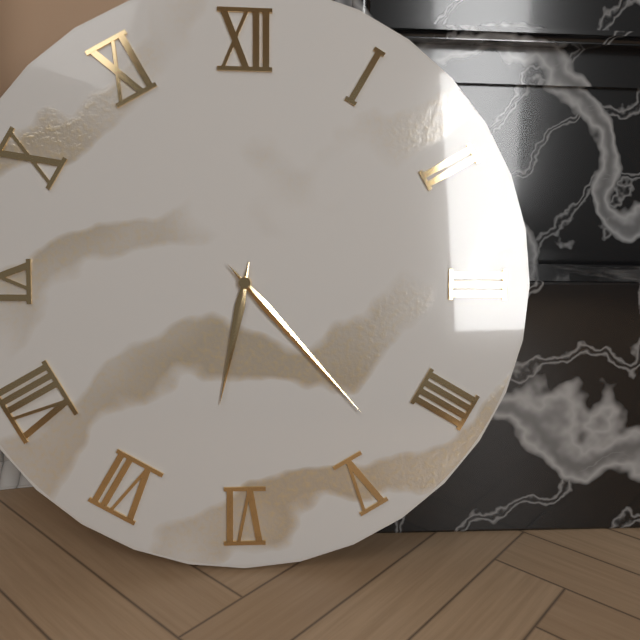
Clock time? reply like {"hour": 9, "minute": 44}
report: {"hour": 6, "minute": 23}
